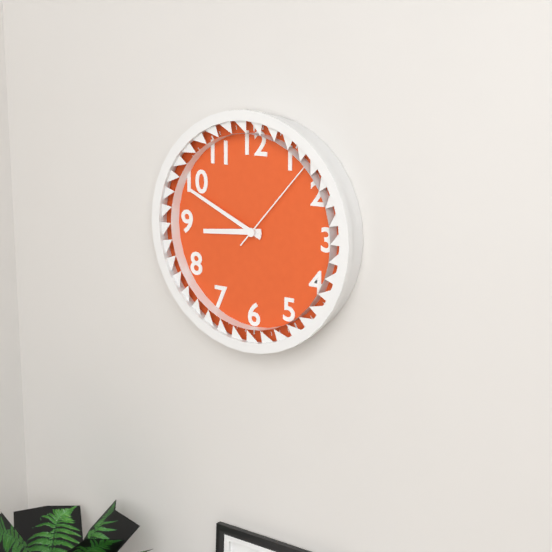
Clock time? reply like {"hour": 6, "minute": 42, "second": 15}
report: {"hour": 8, "minute": 49, "second": 7}
